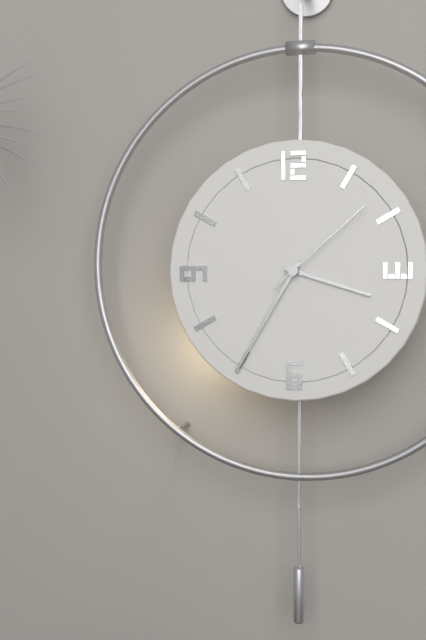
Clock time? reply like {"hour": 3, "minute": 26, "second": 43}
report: {"hour": 3, "minute": 35, "second": 8}
